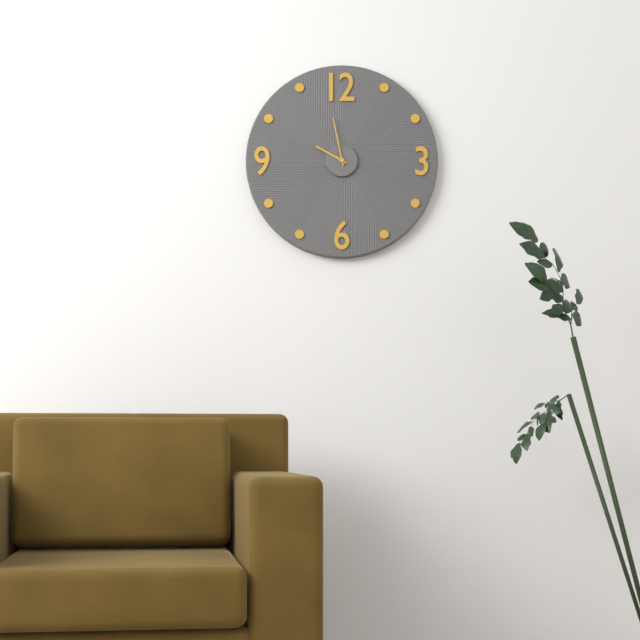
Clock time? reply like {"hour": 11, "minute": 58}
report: {"hour": 9, "minute": 58}
